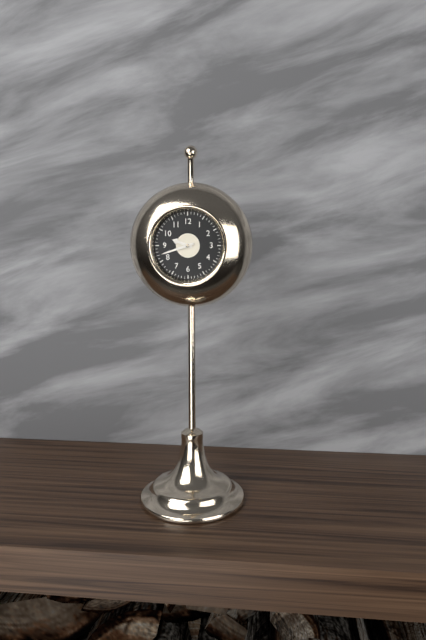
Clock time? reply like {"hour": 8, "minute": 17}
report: {"hour": 9, "minute": 42}
